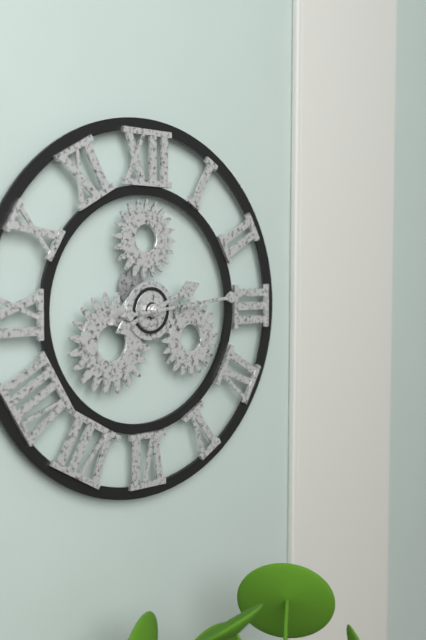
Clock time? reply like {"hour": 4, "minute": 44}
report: {"hour": 2, "minute": 14}
